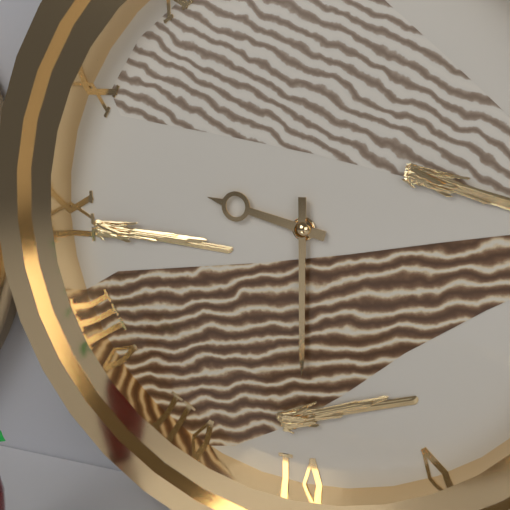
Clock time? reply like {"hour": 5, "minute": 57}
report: {"hour": 9, "minute": 30}
